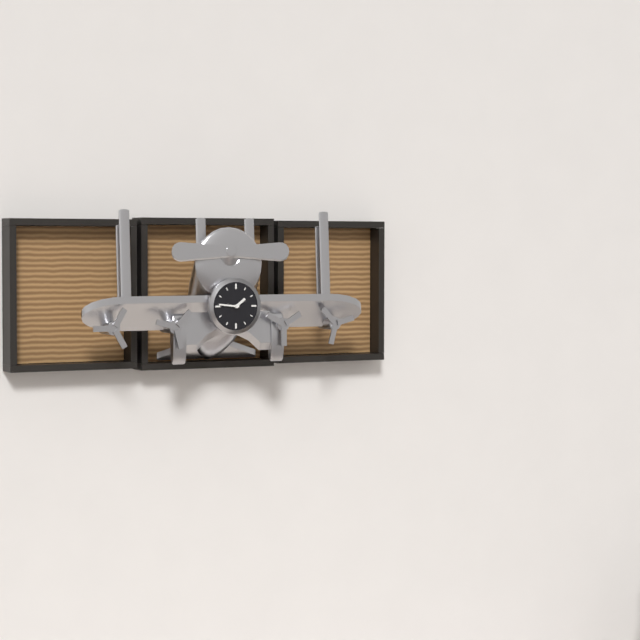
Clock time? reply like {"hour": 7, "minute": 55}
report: {"hour": 1, "minute": 46}
